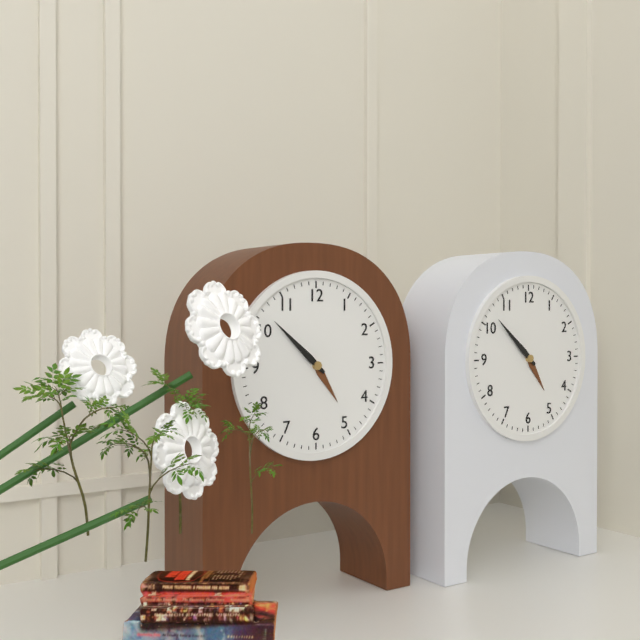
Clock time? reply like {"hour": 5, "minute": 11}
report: {"hour": 4, "minute": 52}
